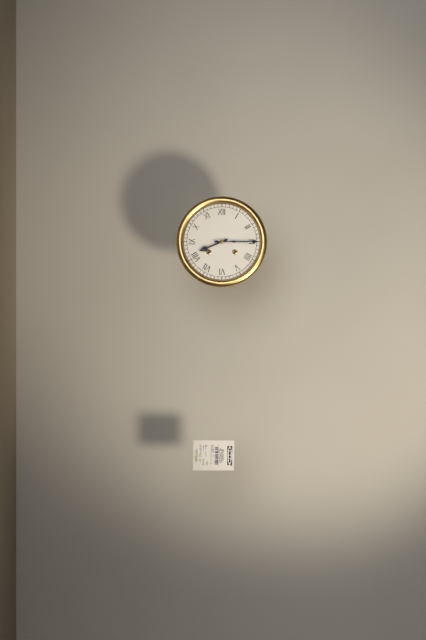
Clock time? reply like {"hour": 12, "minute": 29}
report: {"hour": 8, "minute": 15}
